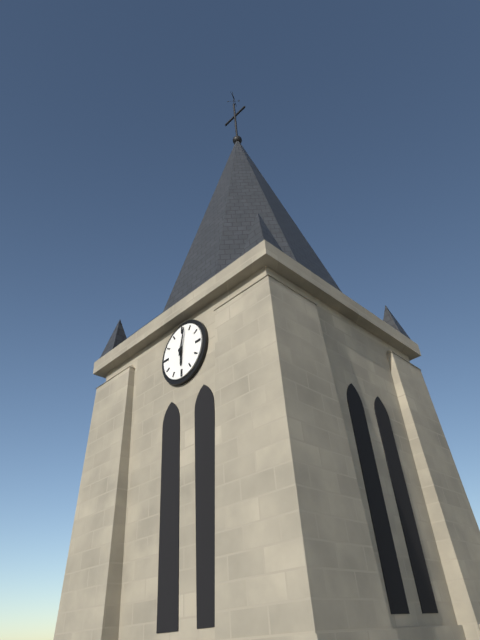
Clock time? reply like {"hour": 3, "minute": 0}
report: {"hour": 6, "minute": 2}
